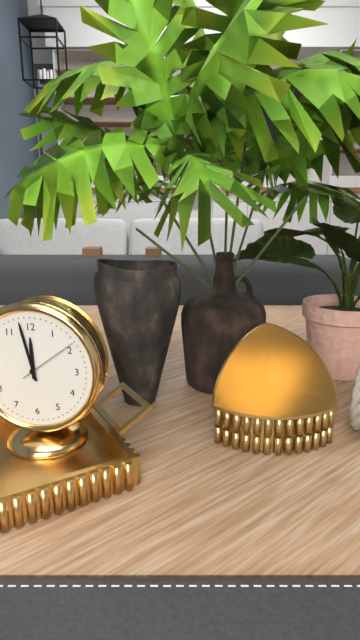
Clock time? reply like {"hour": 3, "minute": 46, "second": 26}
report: {"hour": 11, "minute": 58, "second": 9}
